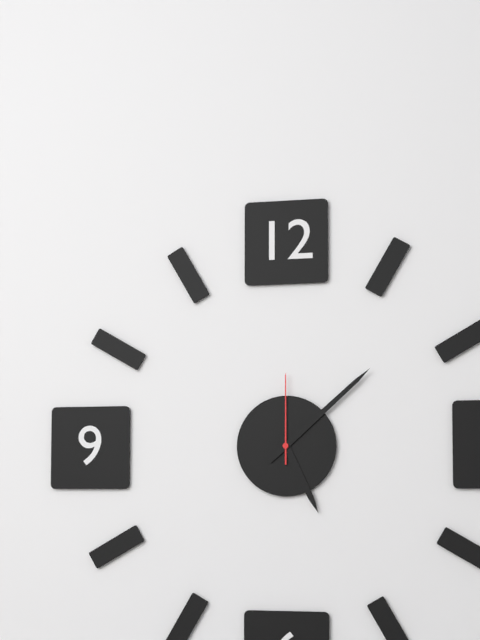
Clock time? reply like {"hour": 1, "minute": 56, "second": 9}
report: {"hour": 5, "minute": 8, "second": 0}
